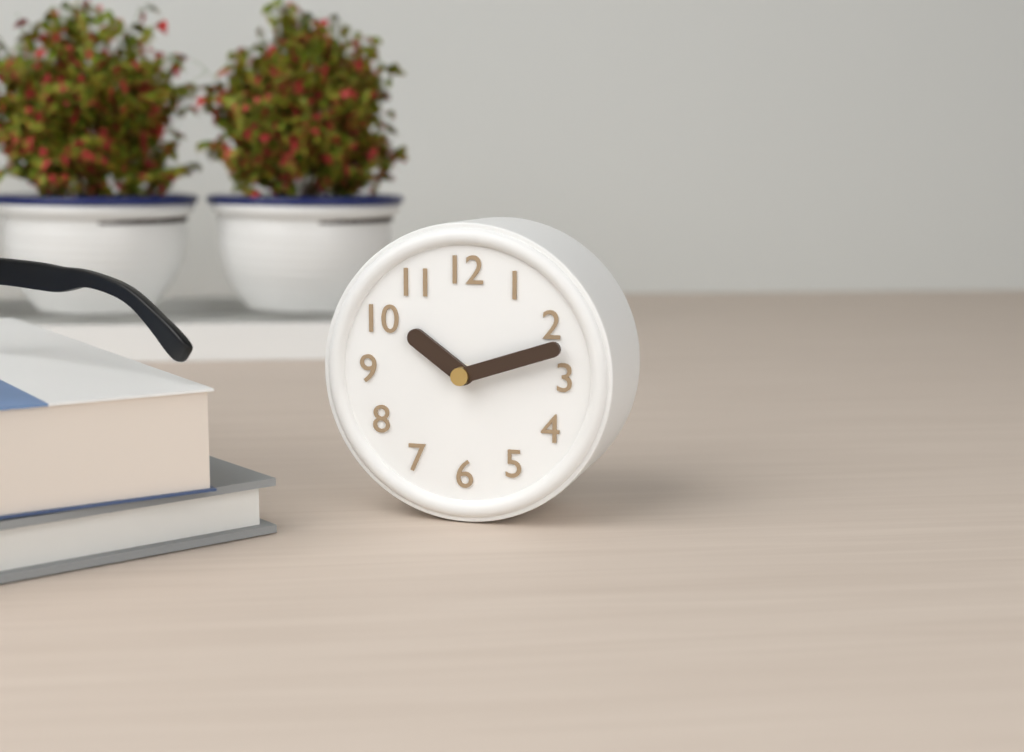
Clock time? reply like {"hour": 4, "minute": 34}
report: {"hour": 10, "minute": 12}
